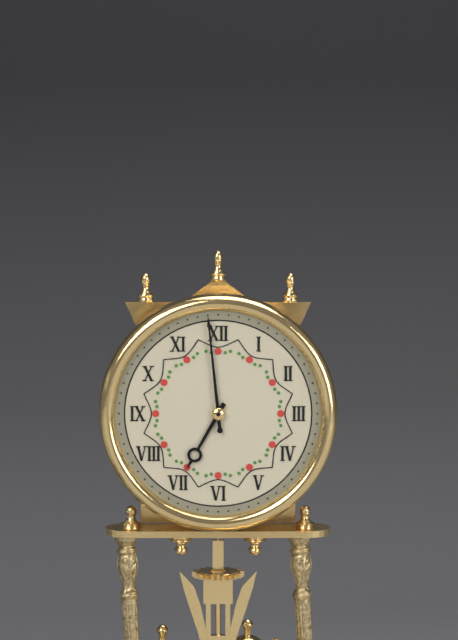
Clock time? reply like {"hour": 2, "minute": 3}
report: {"hour": 6, "minute": 59}
